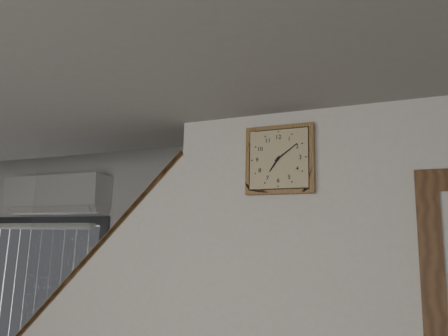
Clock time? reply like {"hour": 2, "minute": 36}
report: {"hour": 7, "minute": 9}
